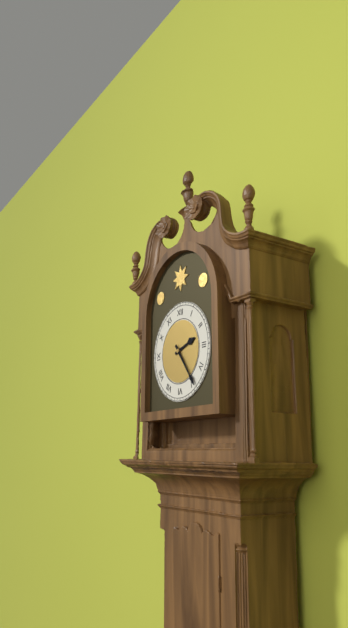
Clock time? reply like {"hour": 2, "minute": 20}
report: {"hour": 2, "minute": 24}
